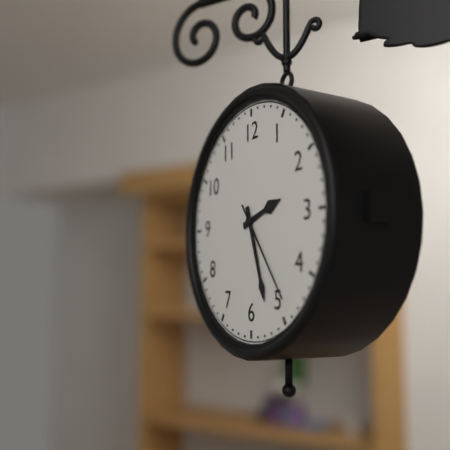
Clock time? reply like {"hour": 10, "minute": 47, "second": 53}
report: {"hour": 2, "minute": 27, "second": 24}
